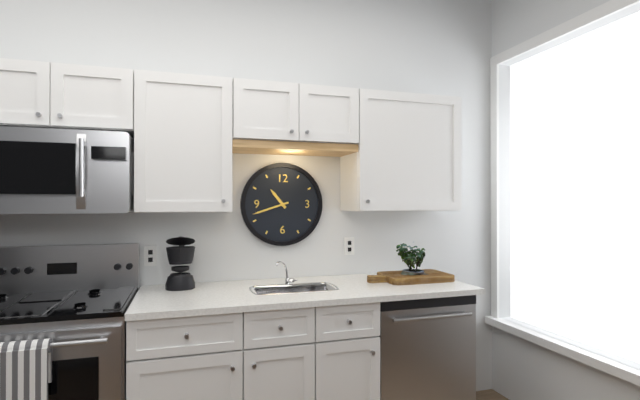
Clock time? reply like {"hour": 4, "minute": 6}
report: {"hour": 10, "minute": 42}
